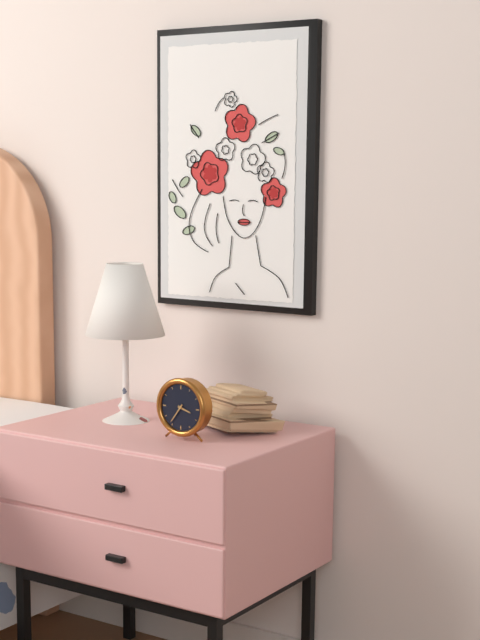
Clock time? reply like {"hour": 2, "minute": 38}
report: {"hour": 3, "minute": 36}
